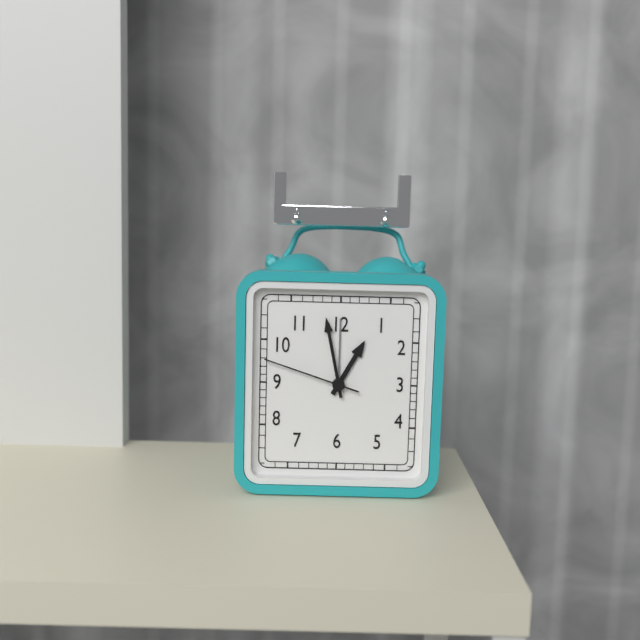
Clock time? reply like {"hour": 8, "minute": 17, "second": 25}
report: {"hour": 12, "minute": 58, "second": 48}
